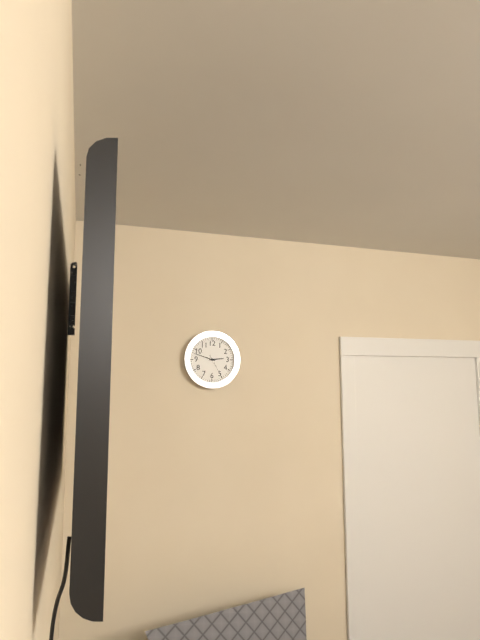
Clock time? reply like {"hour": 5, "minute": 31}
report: {"hour": 2, "minute": 48}
